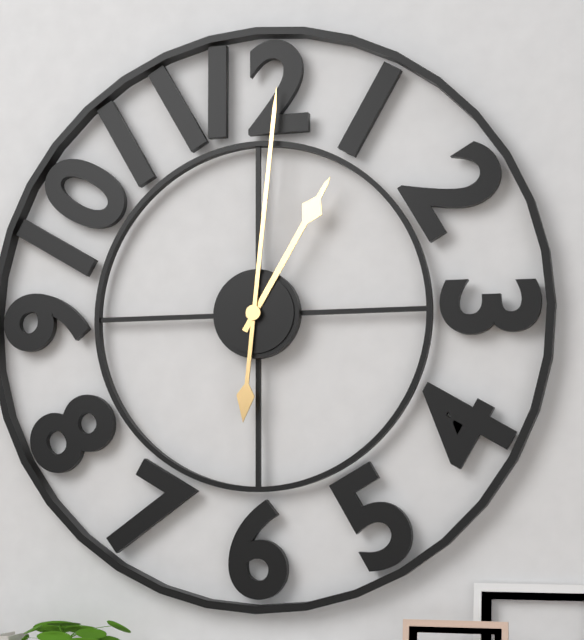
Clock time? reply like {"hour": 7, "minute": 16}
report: {"hour": 1, "minute": 1}
